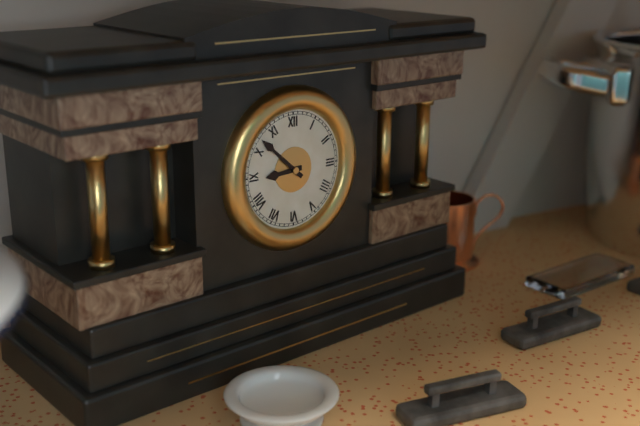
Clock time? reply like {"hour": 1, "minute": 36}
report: {"hour": 8, "minute": 52}
